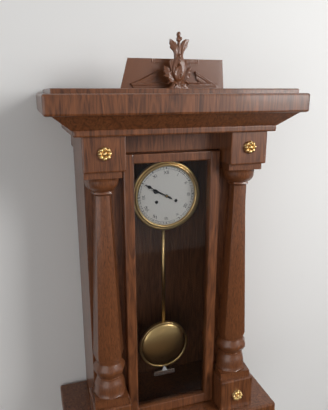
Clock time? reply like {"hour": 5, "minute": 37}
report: {"hour": 9, "minute": 50}
